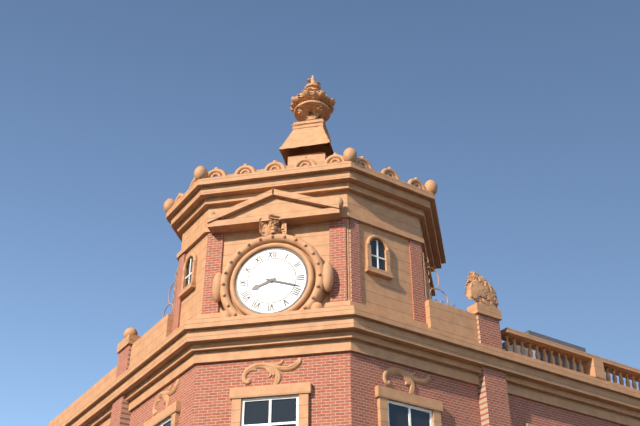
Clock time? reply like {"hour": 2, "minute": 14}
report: {"hour": 8, "minute": 18}
